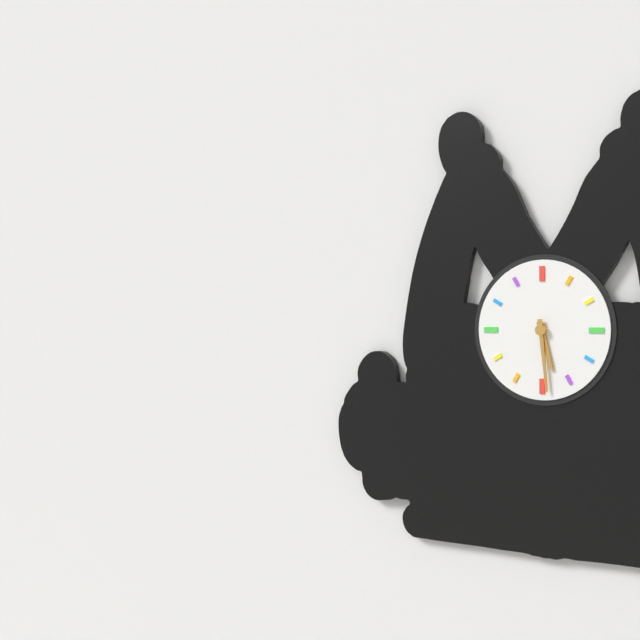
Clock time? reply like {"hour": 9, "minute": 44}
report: {"hour": 5, "minute": 29}
